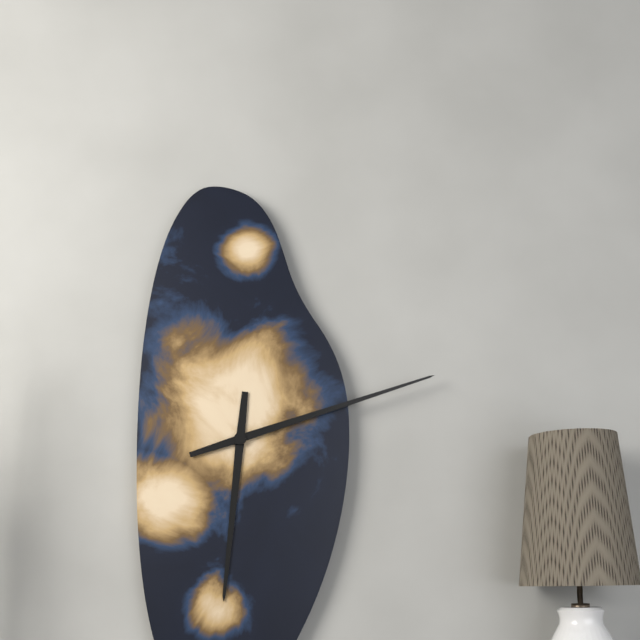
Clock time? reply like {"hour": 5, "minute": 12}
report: {"hour": 6, "minute": 12}
